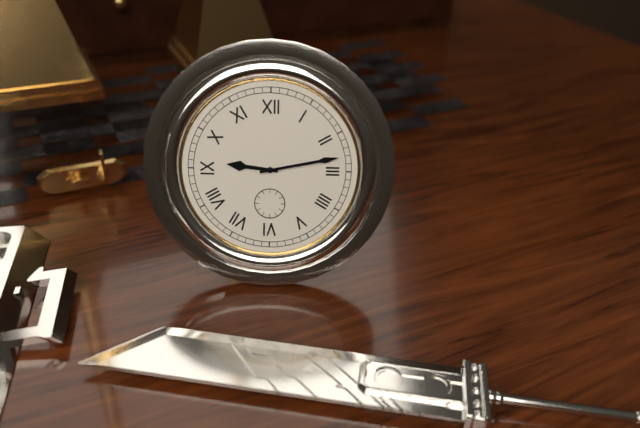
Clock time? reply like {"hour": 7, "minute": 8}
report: {"hour": 9, "minute": 13}
